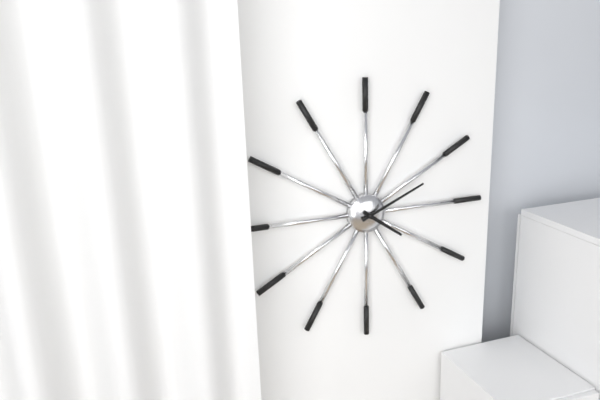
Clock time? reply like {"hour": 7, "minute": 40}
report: {"hour": 4, "minute": 11}
